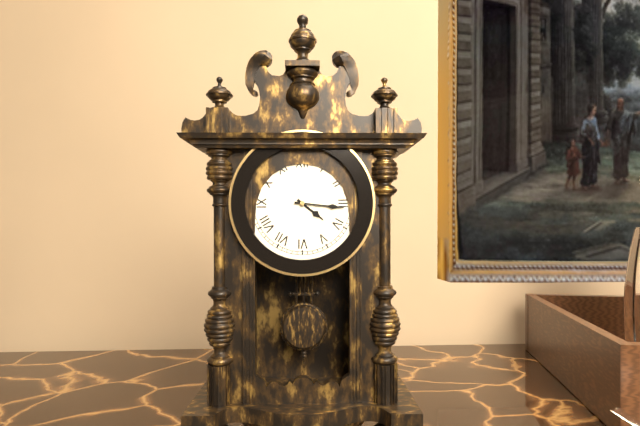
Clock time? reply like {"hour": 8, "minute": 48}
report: {"hour": 4, "minute": 16}
